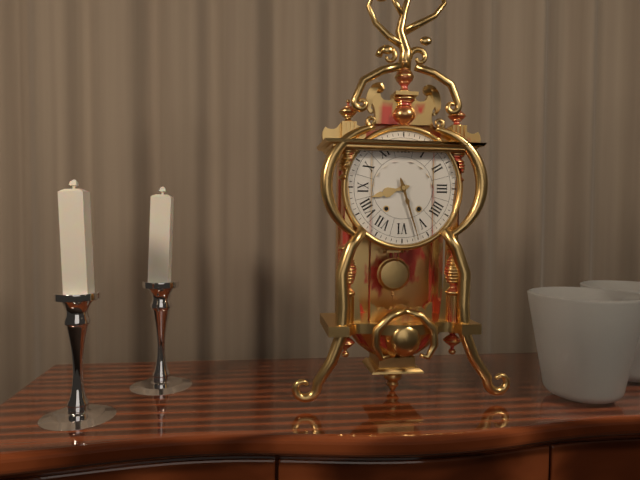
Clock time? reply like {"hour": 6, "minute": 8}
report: {"hour": 8, "minute": 27}
